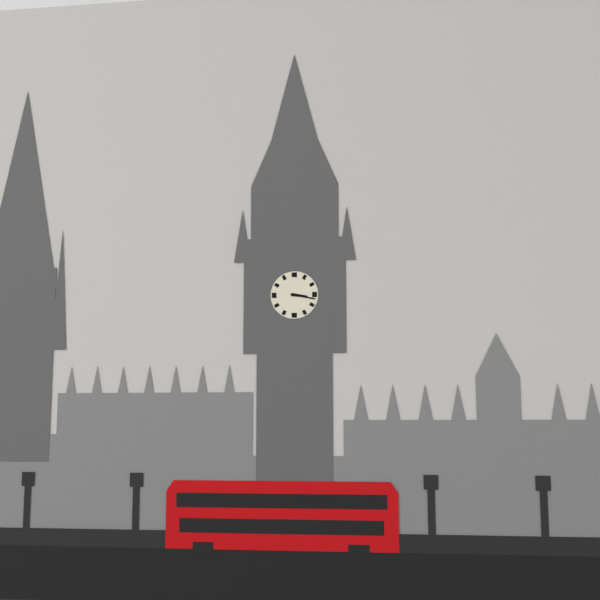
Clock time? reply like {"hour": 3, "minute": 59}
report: {"hour": 3, "minute": 17}
